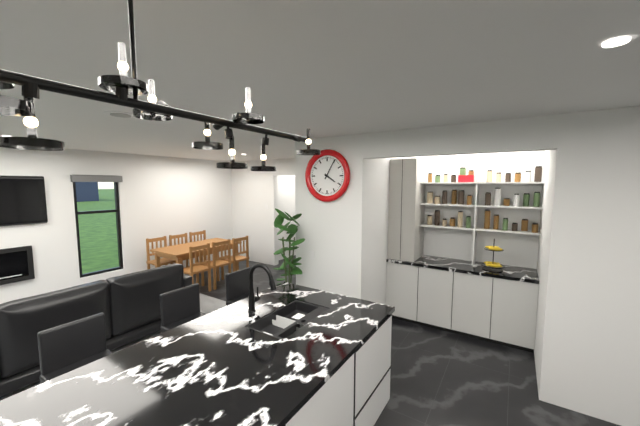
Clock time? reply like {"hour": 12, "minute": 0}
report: {"hour": 4, "minute": 5}
